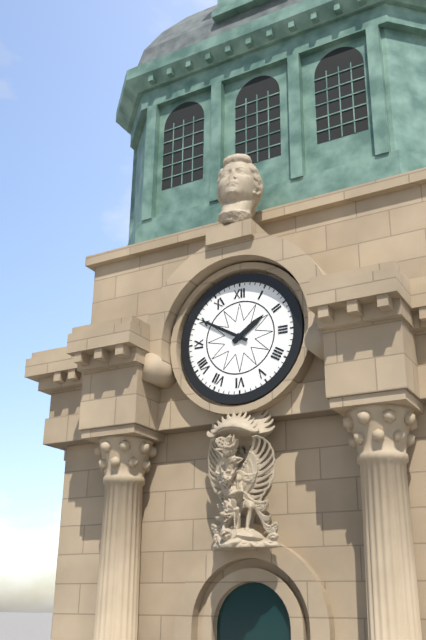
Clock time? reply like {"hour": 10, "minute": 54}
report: {"hour": 1, "minute": 50}
